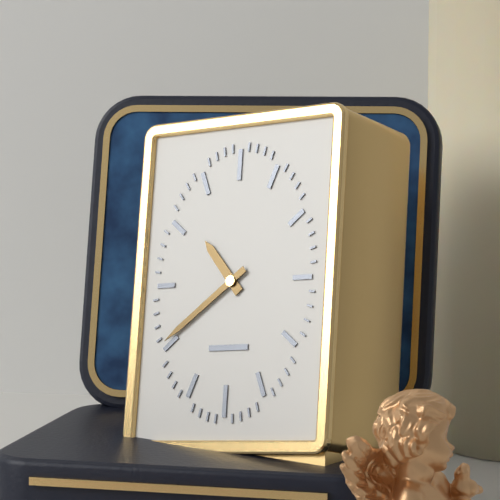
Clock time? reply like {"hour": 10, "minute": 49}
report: {"hour": 10, "minute": 39}
